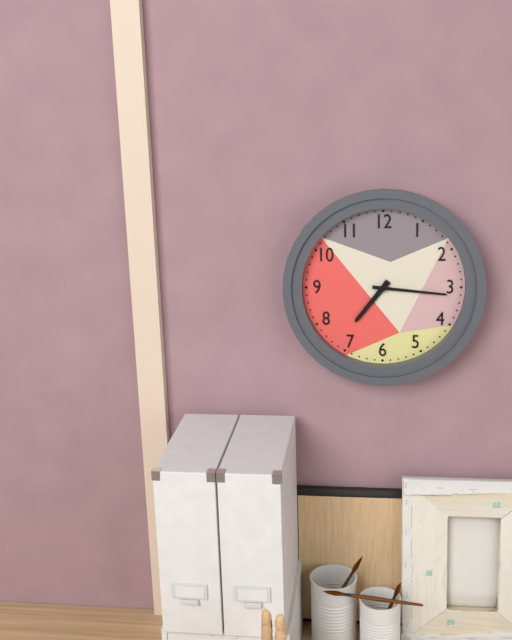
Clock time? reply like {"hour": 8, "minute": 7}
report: {"hour": 7, "minute": 16}
